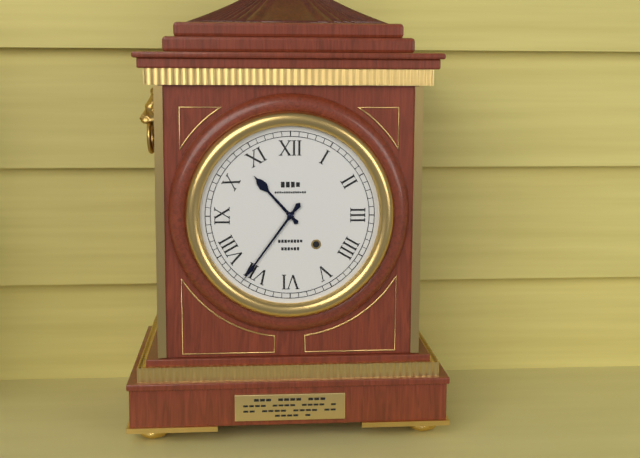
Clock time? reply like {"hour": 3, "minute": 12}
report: {"hour": 10, "minute": 36}
